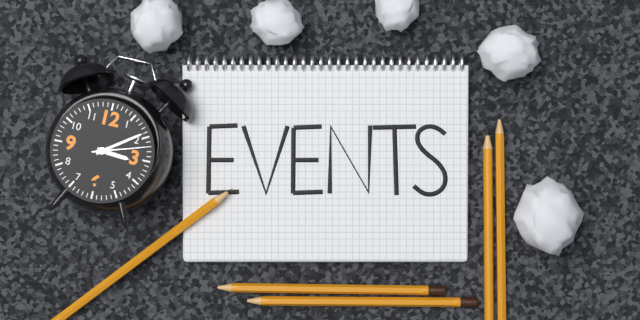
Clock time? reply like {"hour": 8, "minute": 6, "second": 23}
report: {"hour": 3, "minute": 9, "second": 12}
